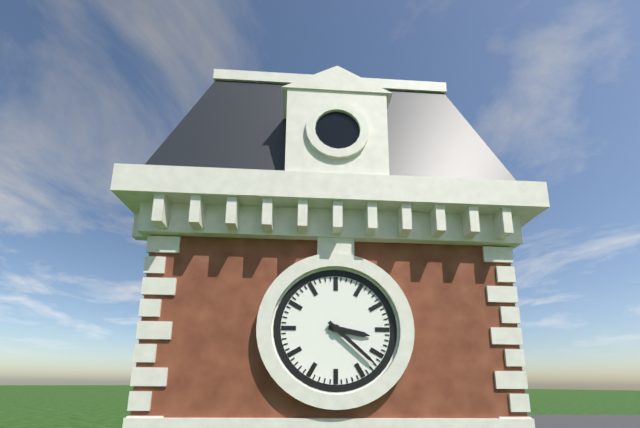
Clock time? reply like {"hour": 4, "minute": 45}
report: {"hour": 3, "minute": 22}
